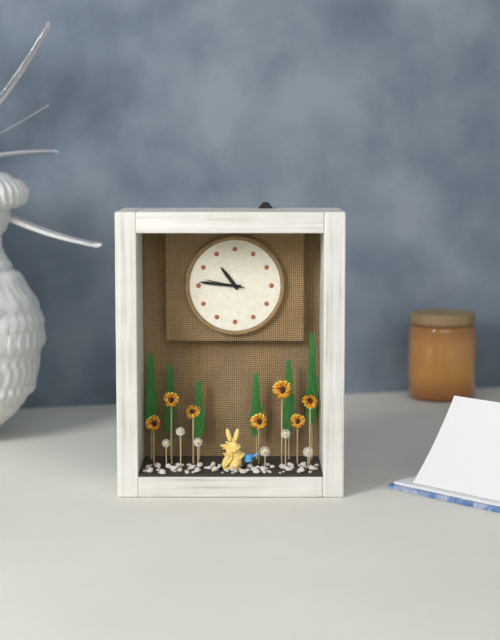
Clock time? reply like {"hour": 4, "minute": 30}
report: {"hour": 10, "minute": 46}
